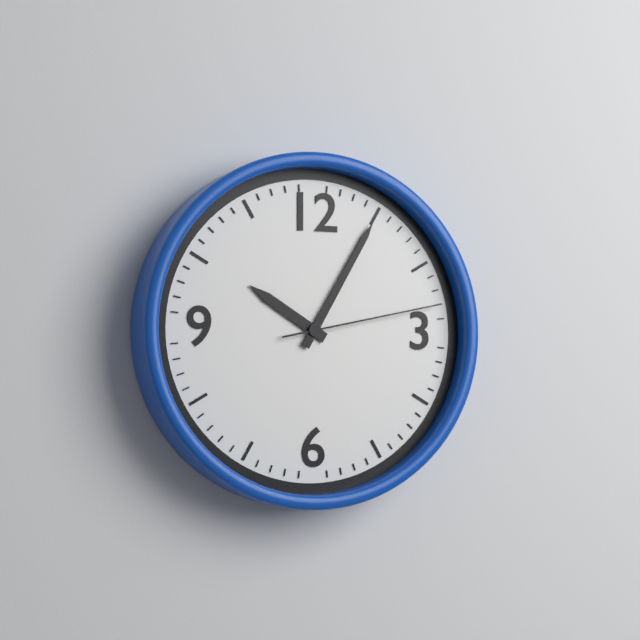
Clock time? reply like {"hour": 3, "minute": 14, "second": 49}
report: {"hour": 10, "minute": 5, "second": 13}
